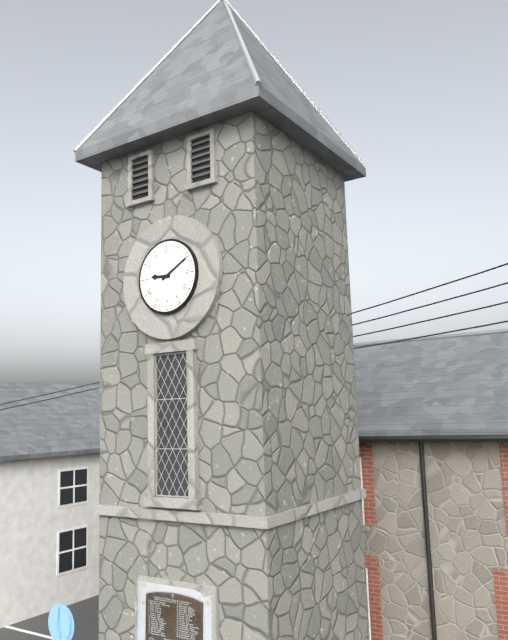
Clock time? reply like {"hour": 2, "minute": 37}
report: {"hour": 9, "minute": 10}
